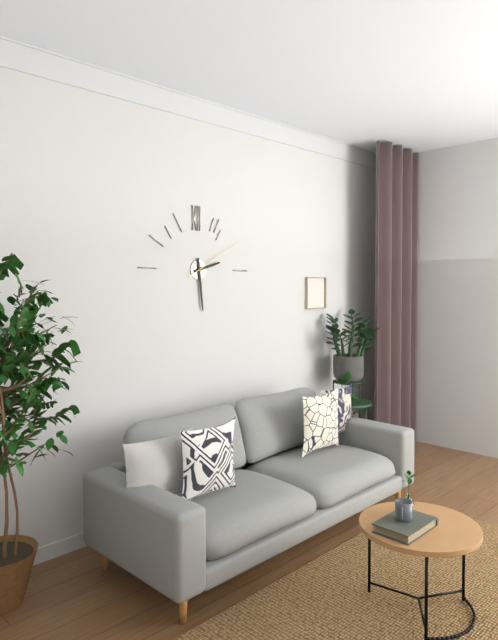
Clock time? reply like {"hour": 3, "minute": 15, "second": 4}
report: {"hour": 2, "minute": 29, "second": 10}
